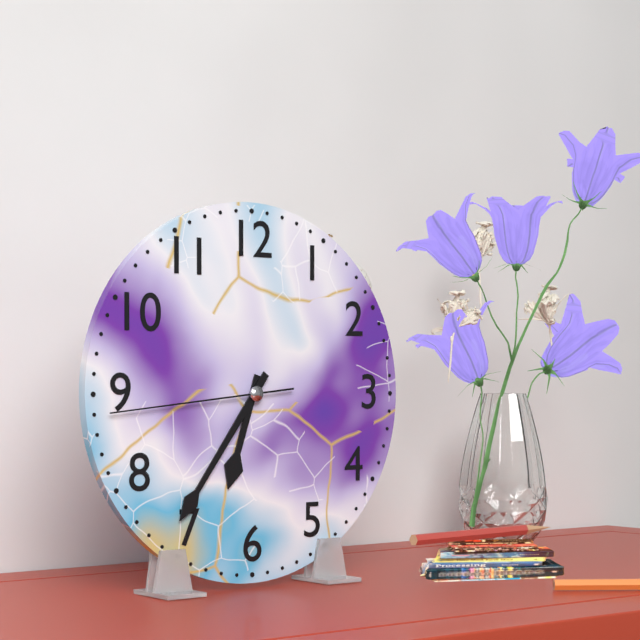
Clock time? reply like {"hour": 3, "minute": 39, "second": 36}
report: {"hour": 6, "minute": 36, "second": 44}
